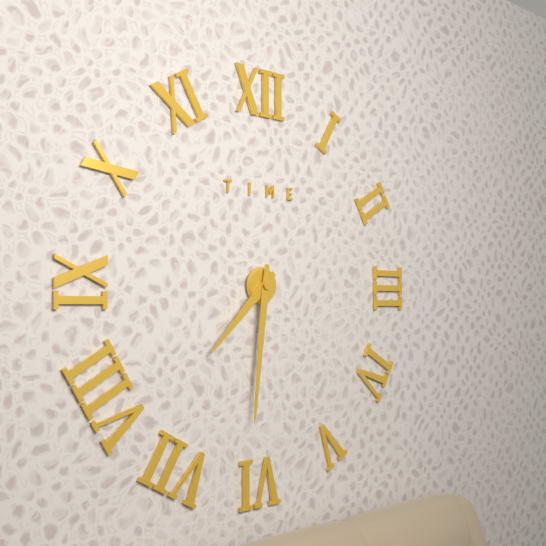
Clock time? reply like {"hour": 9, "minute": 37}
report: {"hour": 7, "minute": 31}
